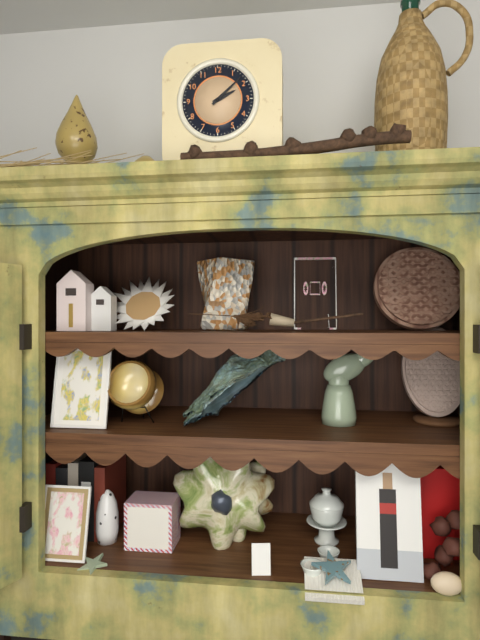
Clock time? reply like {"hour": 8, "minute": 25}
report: {"hour": 2, "minute": 8}
